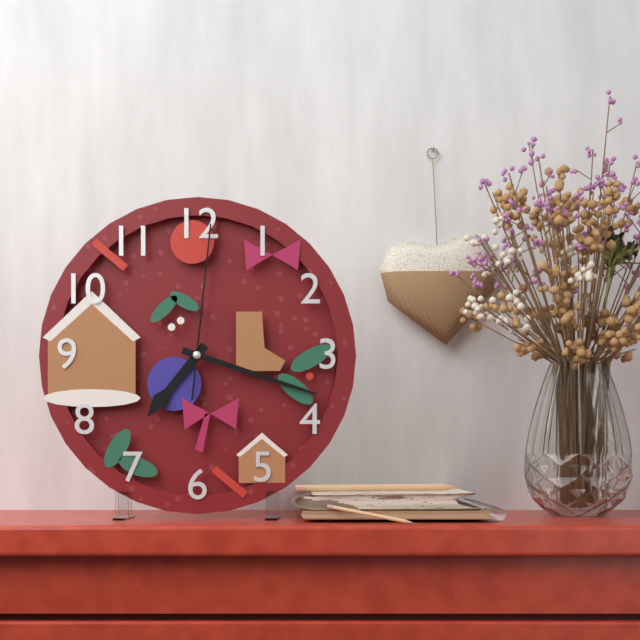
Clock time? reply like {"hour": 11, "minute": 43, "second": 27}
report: {"hour": 7, "minute": 18, "second": 1}
